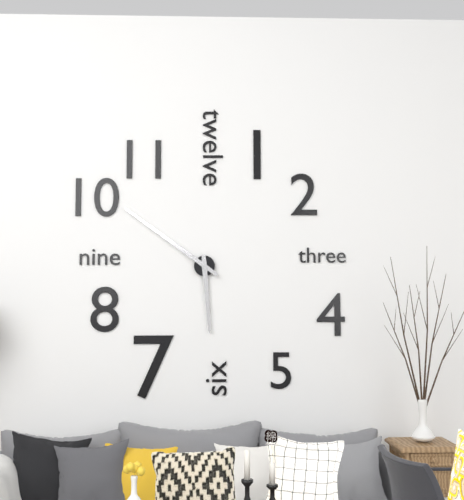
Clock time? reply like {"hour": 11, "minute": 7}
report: {"hour": 5, "minute": 51}
